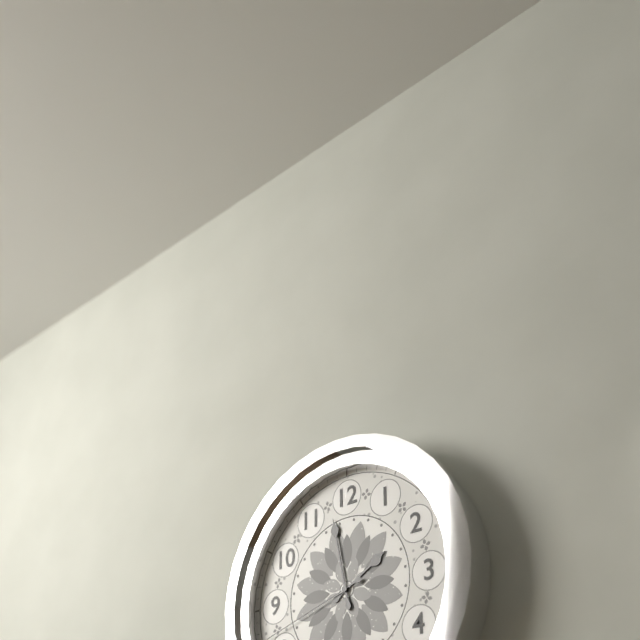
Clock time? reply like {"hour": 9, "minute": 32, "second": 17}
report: {"hour": 1, "minute": 58, "second": 42}
